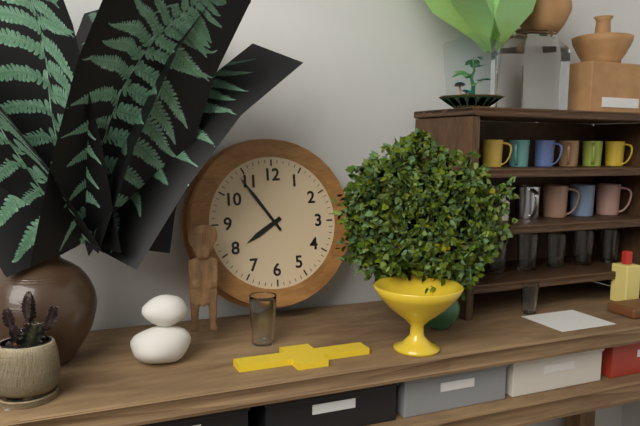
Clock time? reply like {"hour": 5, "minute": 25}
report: {"hour": 7, "minute": 54}
